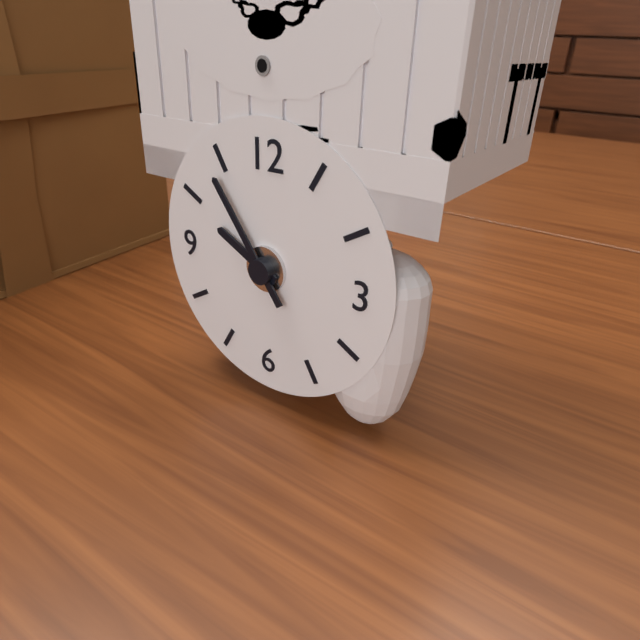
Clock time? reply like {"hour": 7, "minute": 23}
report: {"hour": 9, "minute": 54}
